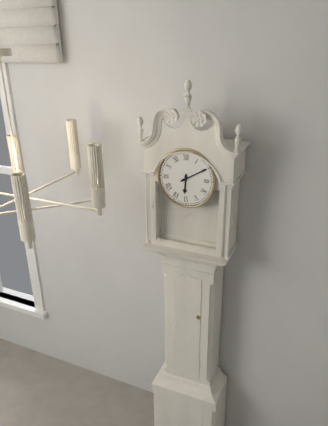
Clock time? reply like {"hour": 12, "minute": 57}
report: {"hour": 6, "minute": 10}
